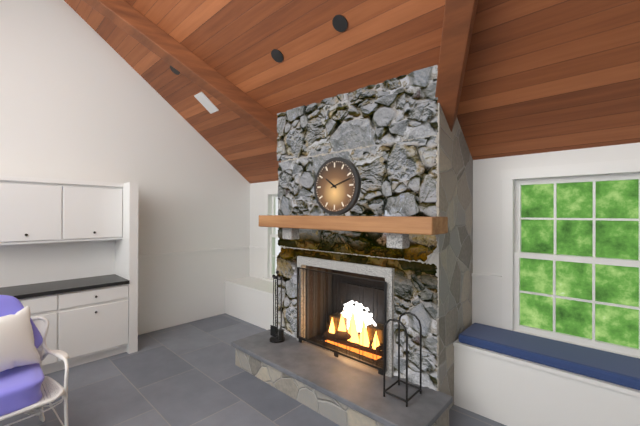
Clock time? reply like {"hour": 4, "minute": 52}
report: {"hour": 10, "minute": 12}
